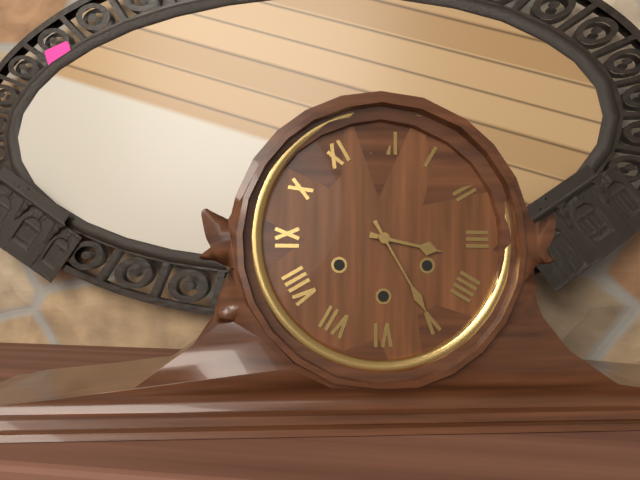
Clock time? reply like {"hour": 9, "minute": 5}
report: {"hour": 3, "minute": 25}
